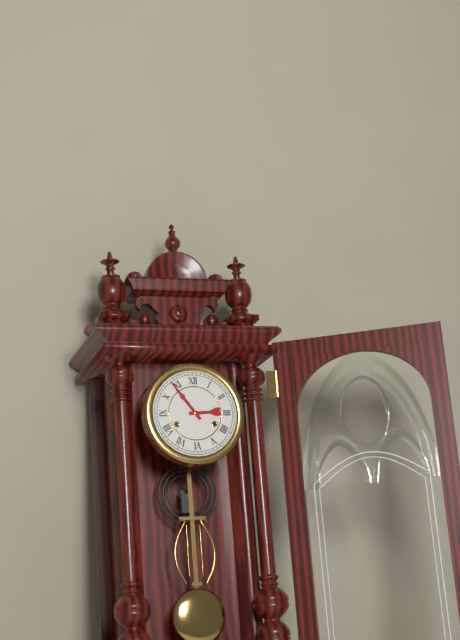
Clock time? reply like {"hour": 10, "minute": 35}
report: {"hour": 2, "minute": 54}
